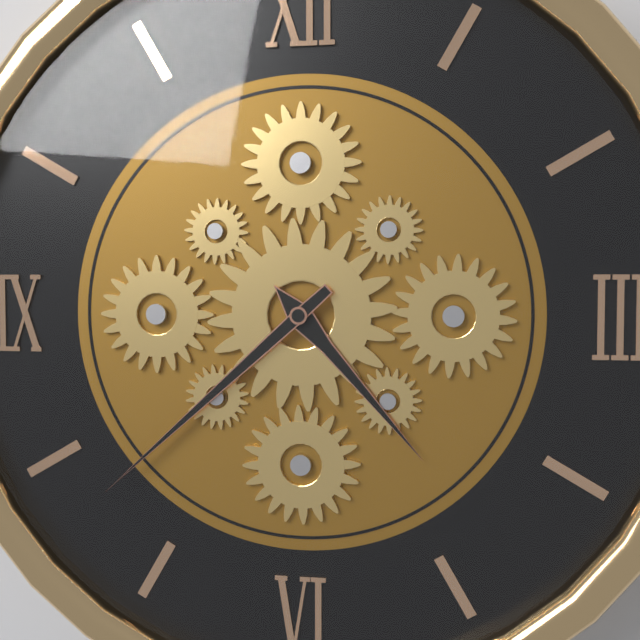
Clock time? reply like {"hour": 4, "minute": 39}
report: {"hour": 4, "minute": 38}
